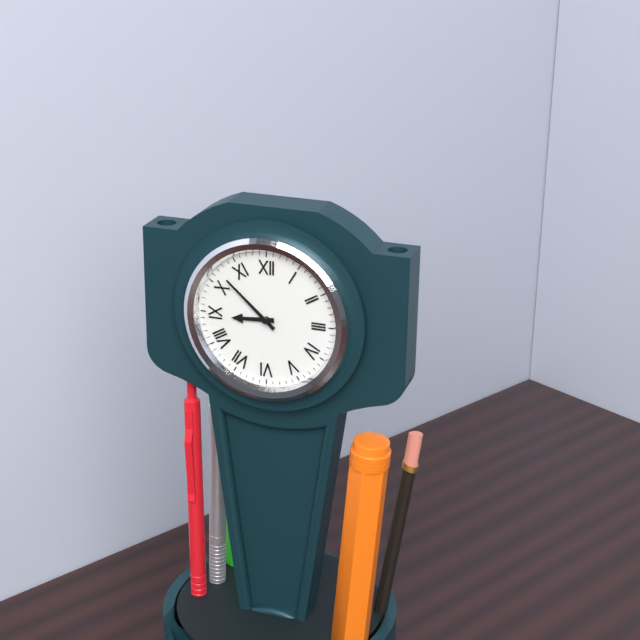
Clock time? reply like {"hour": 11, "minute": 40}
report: {"hour": 8, "minute": 52}
